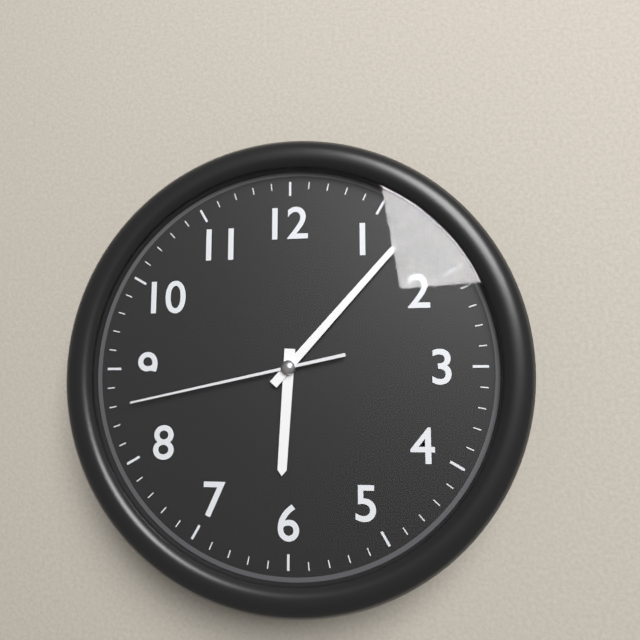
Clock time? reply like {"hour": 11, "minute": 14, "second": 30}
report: {"hour": 6, "minute": 7, "second": 43}
